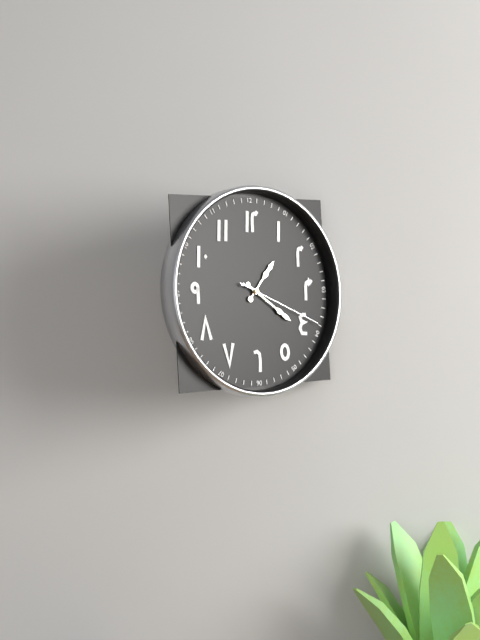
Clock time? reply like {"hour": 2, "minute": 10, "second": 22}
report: {"hour": 1, "minute": 21, "second": 19}
